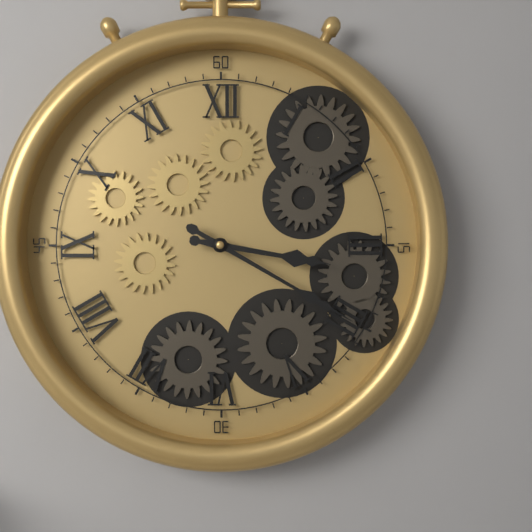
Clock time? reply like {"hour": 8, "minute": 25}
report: {"hour": 3, "minute": 20}
